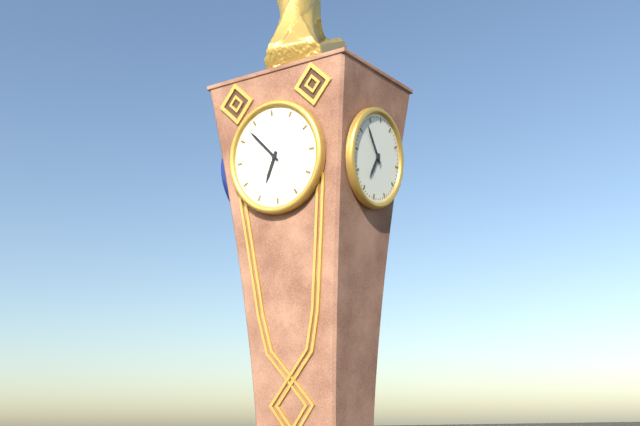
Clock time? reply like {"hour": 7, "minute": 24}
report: {"hour": 6, "minute": 53}
